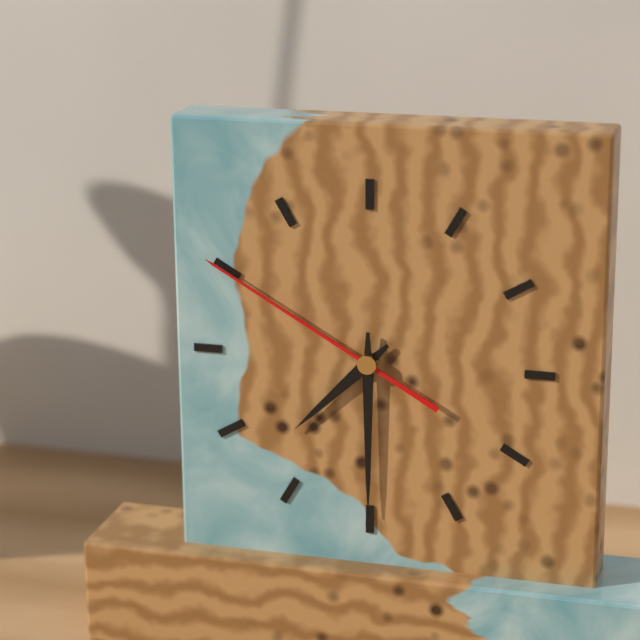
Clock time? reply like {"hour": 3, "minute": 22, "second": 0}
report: {"hour": 7, "minute": 30, "second": 50}
